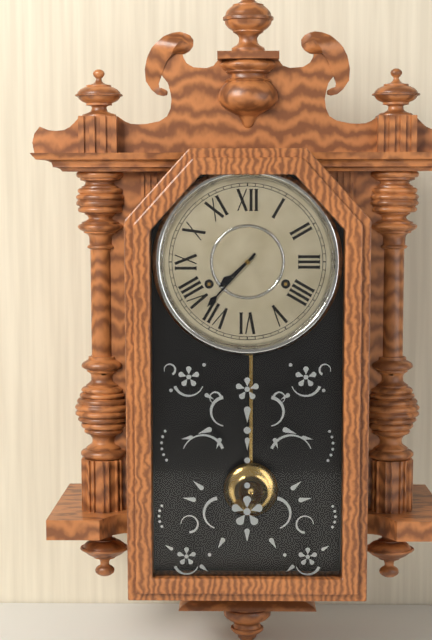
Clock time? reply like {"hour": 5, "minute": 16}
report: {"hour": 7, "minute": 37}
